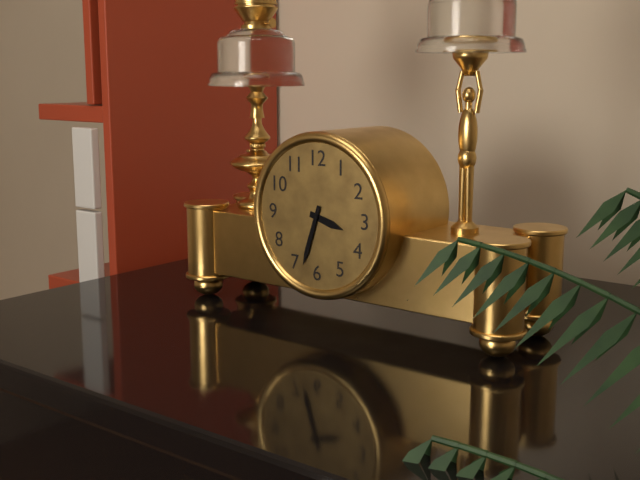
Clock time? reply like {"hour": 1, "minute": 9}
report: {"hour": 3, "minute": 33}
